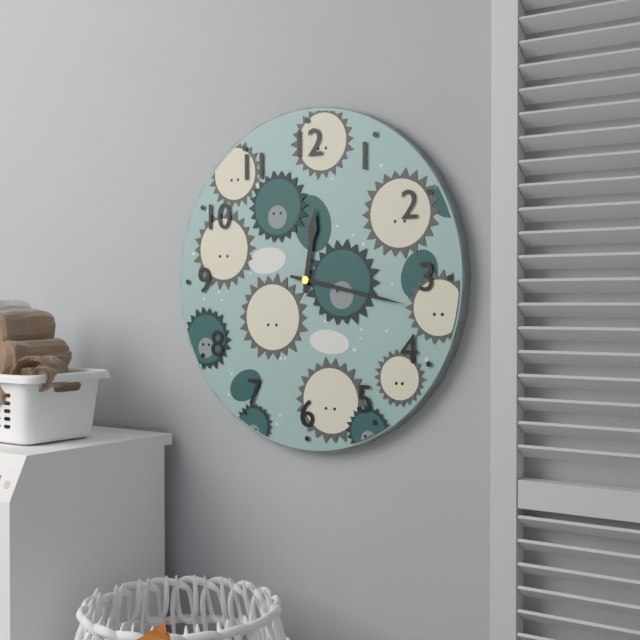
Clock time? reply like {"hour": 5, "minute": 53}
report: {"hour": 12, "minute": 17}
